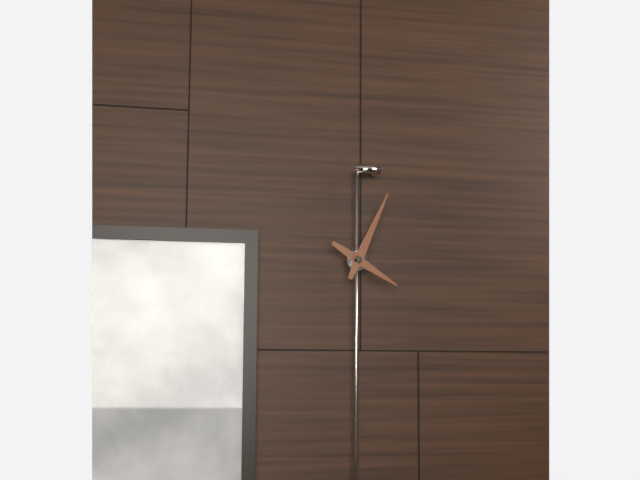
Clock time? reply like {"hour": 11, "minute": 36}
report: {"hour": 4, "minute": 4}
